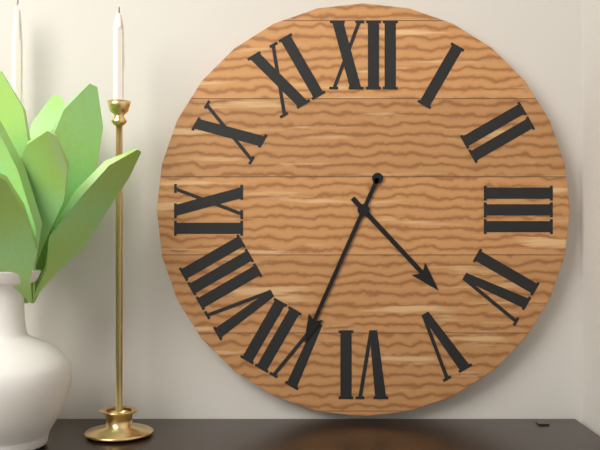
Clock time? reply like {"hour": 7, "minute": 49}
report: {"hour": 4, "minute": 34}
